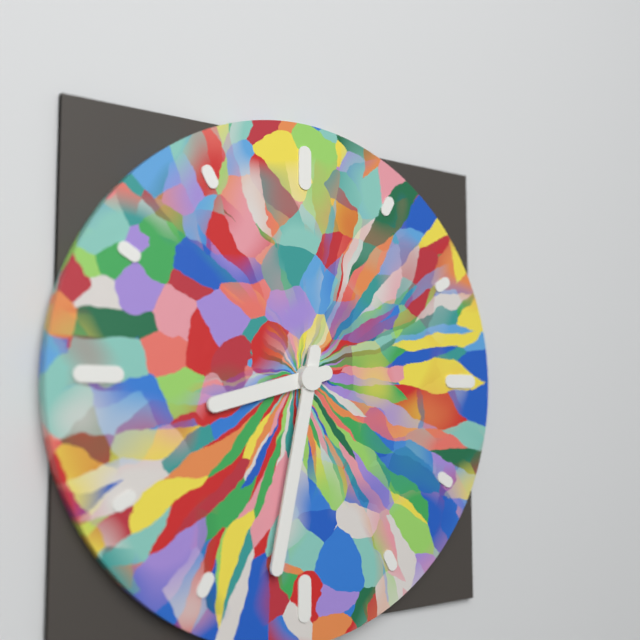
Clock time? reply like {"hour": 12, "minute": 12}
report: {"hour": 8, "minute": 32}
